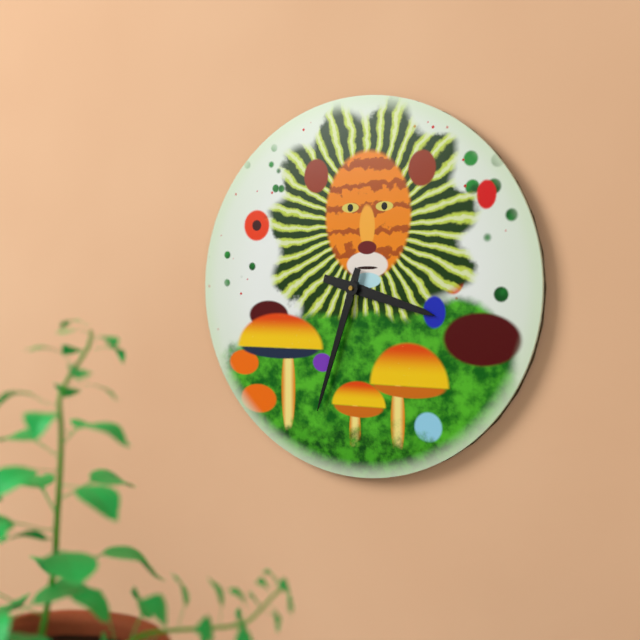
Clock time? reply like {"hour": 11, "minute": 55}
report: {"hour": 3, "minute": 33}
